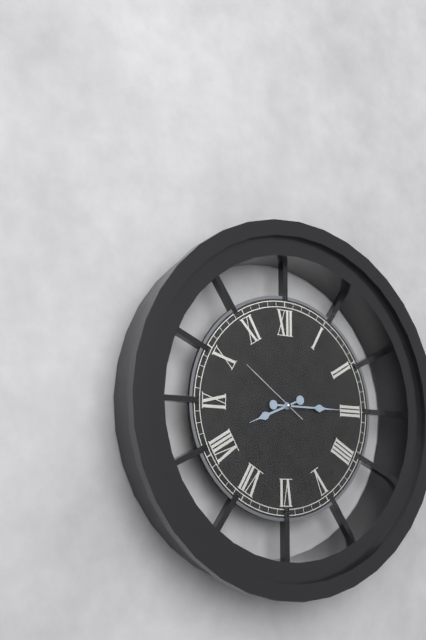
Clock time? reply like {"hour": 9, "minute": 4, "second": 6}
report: {"hour": 8, "minute": 15, "second": 51}
